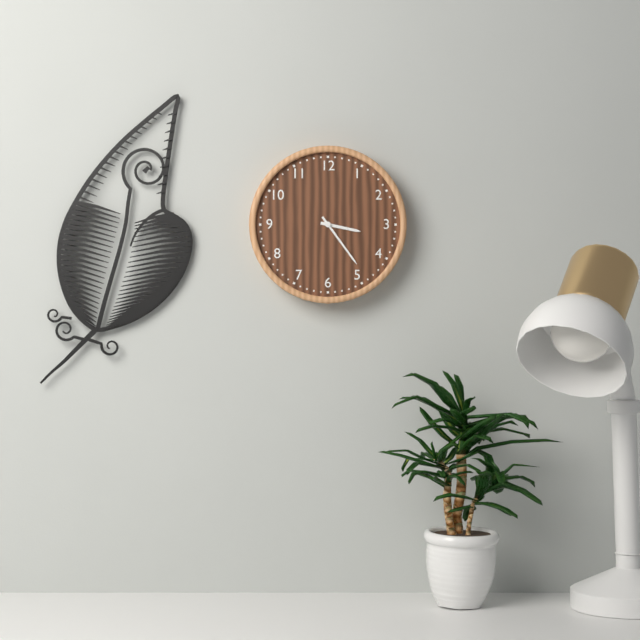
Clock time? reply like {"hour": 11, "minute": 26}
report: {"hour": 3, "minute": 24}
